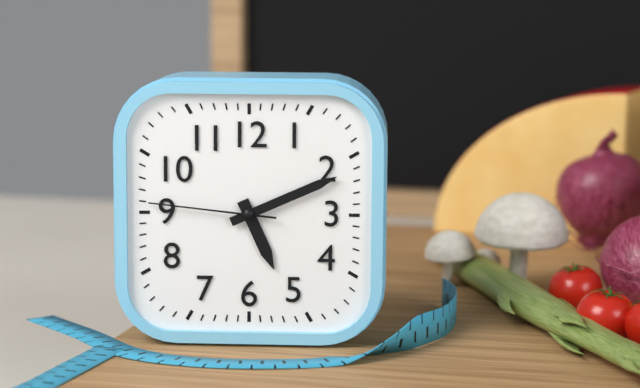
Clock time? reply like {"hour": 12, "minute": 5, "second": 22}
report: {"hour": 5, "minute": 11, "second": 46}
